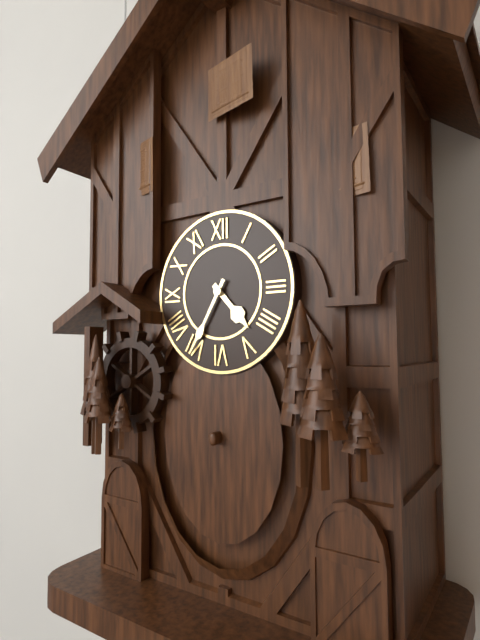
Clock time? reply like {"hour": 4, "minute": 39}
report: {"hour": 4, "minute": 35}
